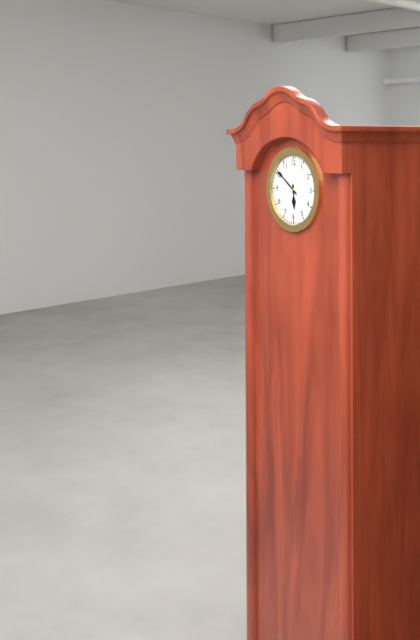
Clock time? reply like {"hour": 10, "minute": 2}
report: {"hour": 5, "minute": 51}
